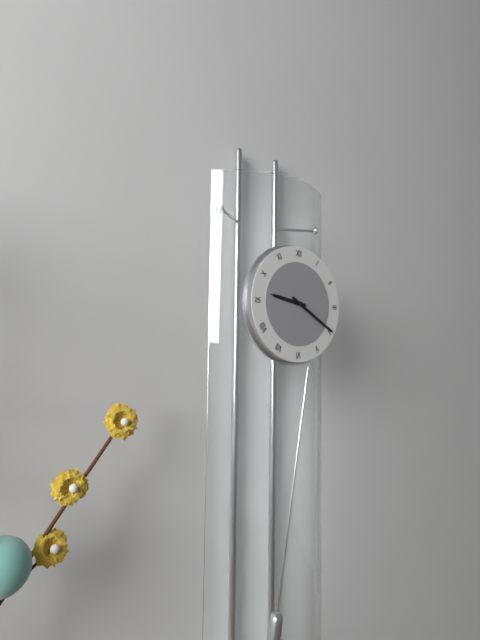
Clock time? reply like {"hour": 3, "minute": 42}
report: {"hour": 9, "minute": 20}
